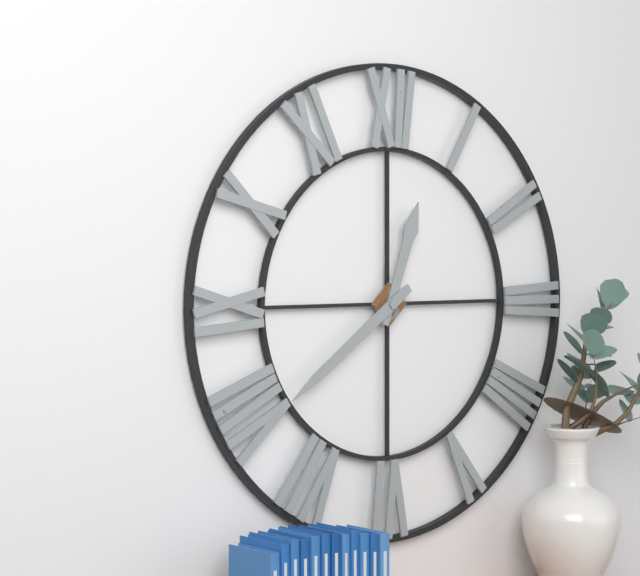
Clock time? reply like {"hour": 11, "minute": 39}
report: {"hour": 12, "minute": 39}
